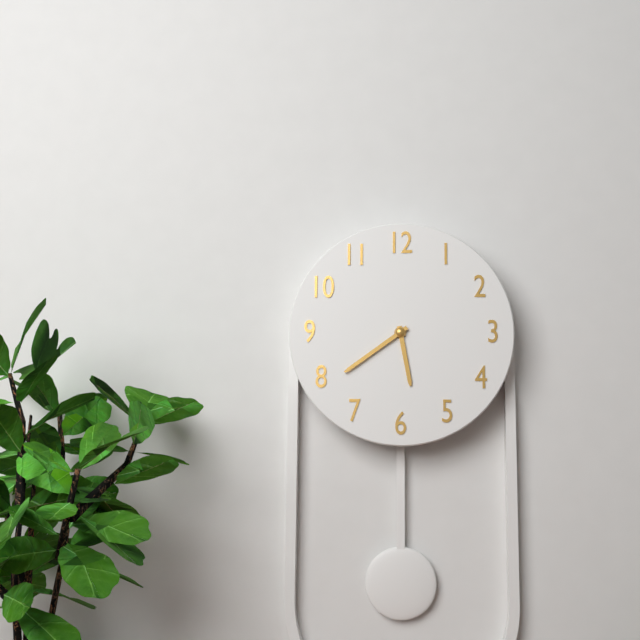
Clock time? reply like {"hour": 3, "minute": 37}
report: {"hour": 5, "minute": 39}
